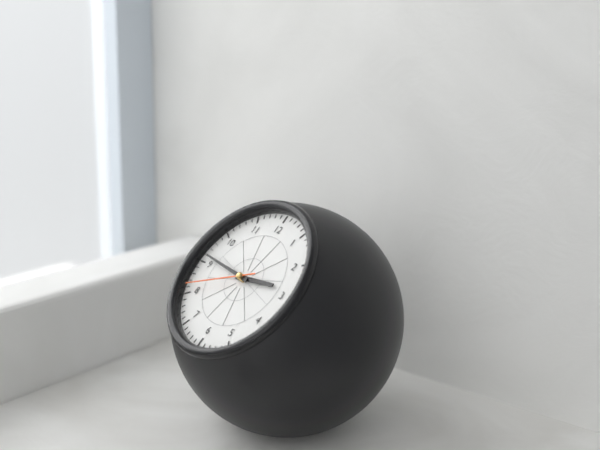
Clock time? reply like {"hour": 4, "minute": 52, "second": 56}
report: {"hour": 2, "minute": 46, "second": 41}
